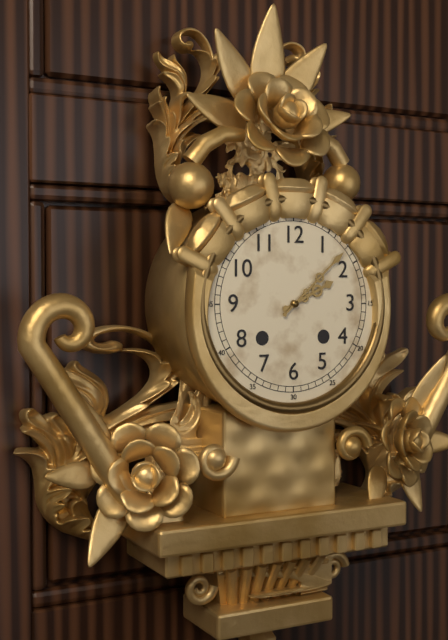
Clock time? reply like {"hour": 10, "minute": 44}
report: {"hour": 2, "minute": 8}
